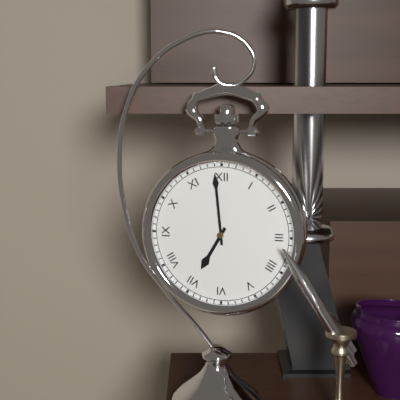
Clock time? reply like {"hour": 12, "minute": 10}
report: {"hour": 6, "minute": 59}
